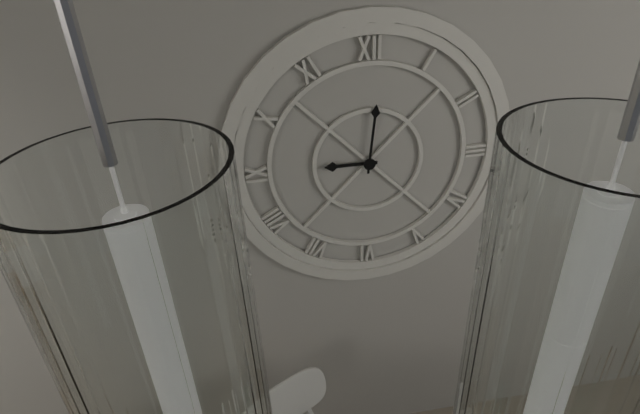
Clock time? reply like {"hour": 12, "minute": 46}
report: {"hour": 9, "minute": 1}
